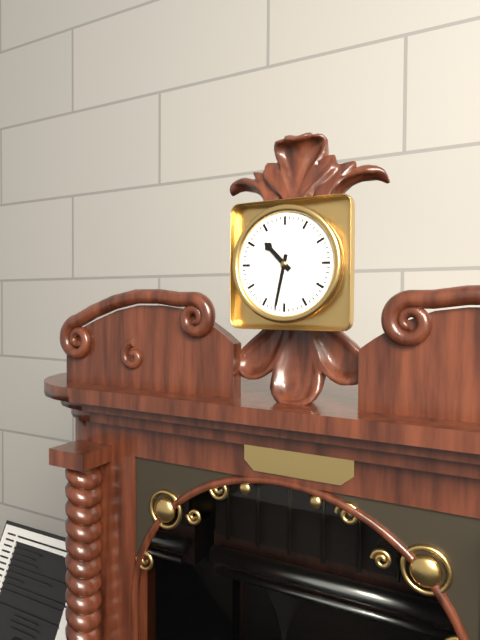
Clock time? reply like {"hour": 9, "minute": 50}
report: {"hour": 10, "minute": 32}
